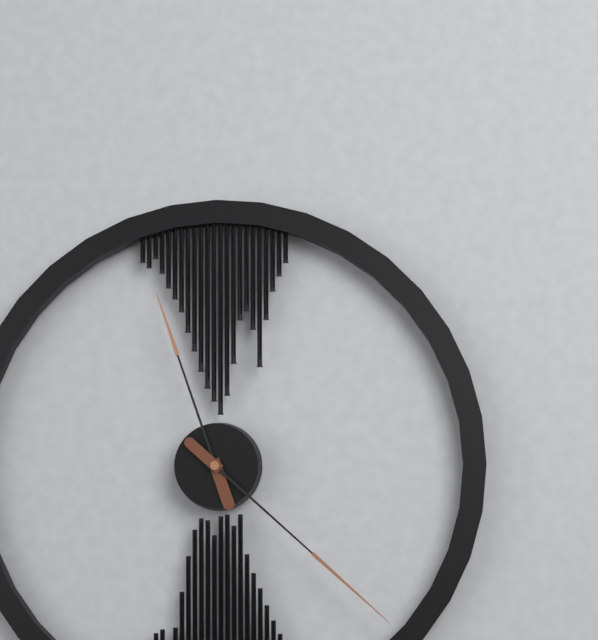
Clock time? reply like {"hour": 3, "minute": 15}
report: {"hour": 11, "minute": 22}
